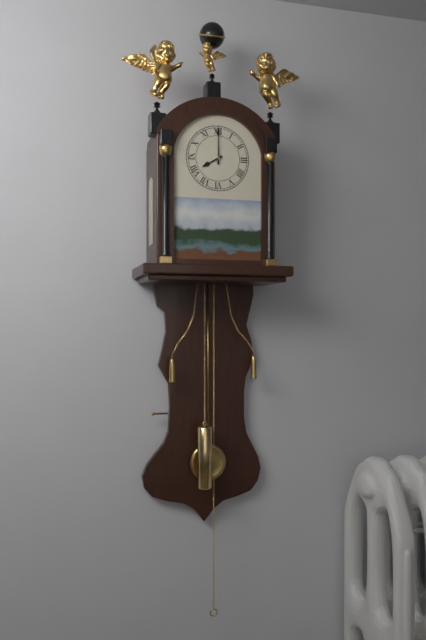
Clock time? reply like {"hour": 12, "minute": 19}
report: {"hour": 8, "minute": 0}
